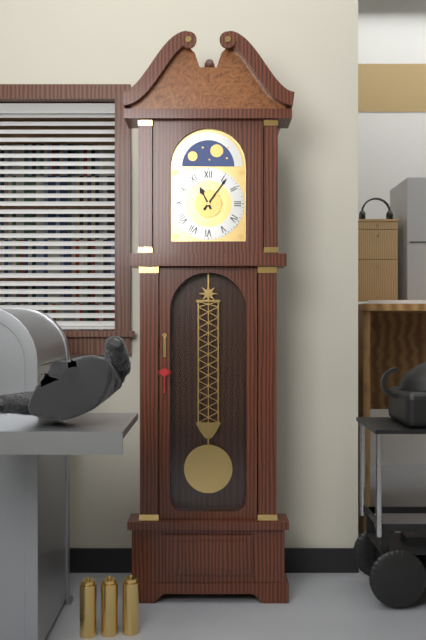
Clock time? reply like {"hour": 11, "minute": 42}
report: {"hour": 11, "minute": 6}
